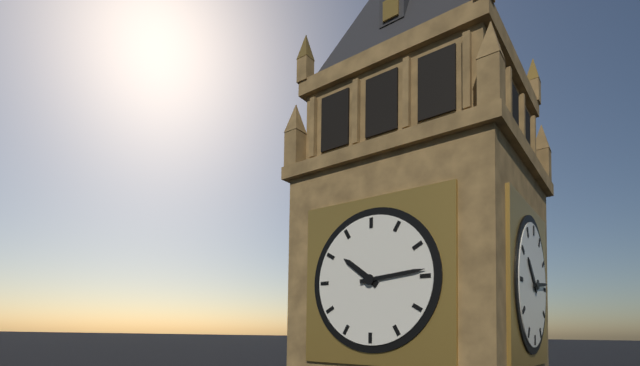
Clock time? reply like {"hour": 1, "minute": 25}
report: {"hour": 10, "minute": 14}
